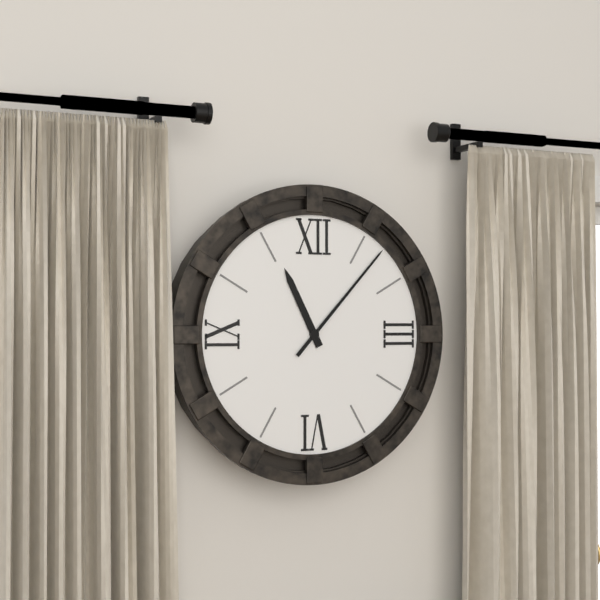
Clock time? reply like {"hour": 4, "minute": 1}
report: {"hour": 11, "minute": 7}
